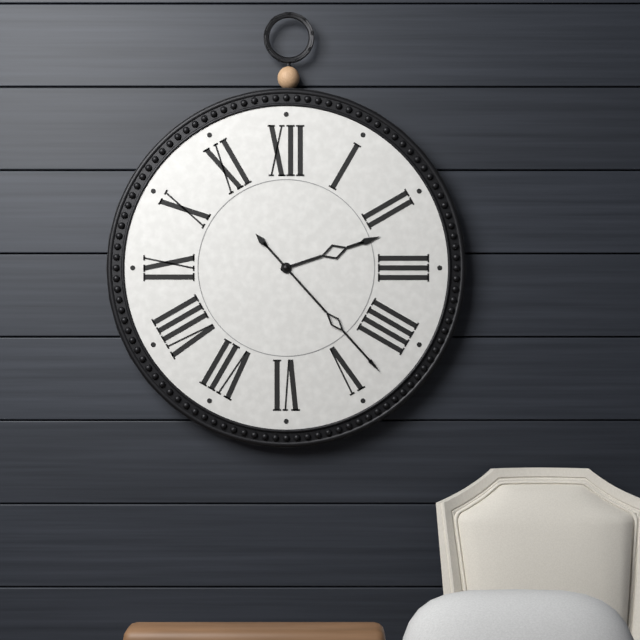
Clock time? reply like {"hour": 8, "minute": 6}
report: {"hour": 2, "minute": 23}
